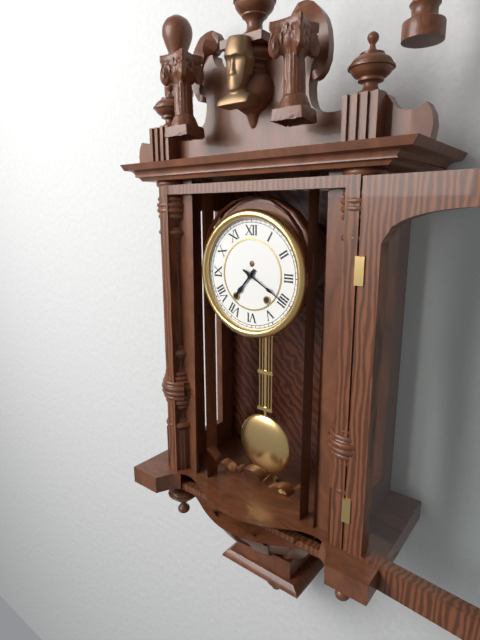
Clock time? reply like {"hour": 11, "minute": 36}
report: {"hour": 7, "minute": 20}
